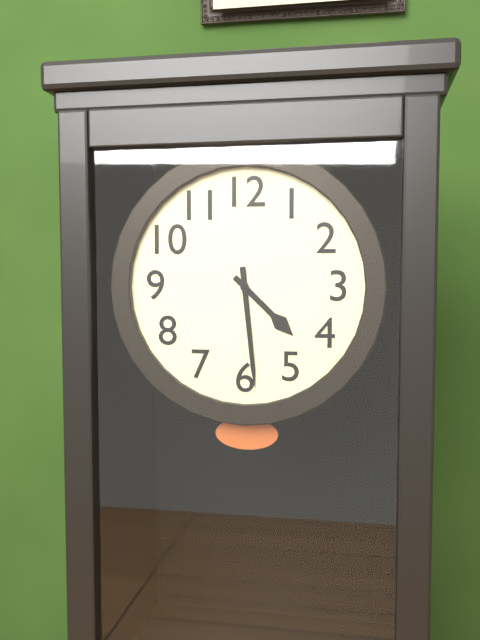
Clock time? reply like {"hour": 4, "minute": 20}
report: {"hour": 4, "minute": 29}
